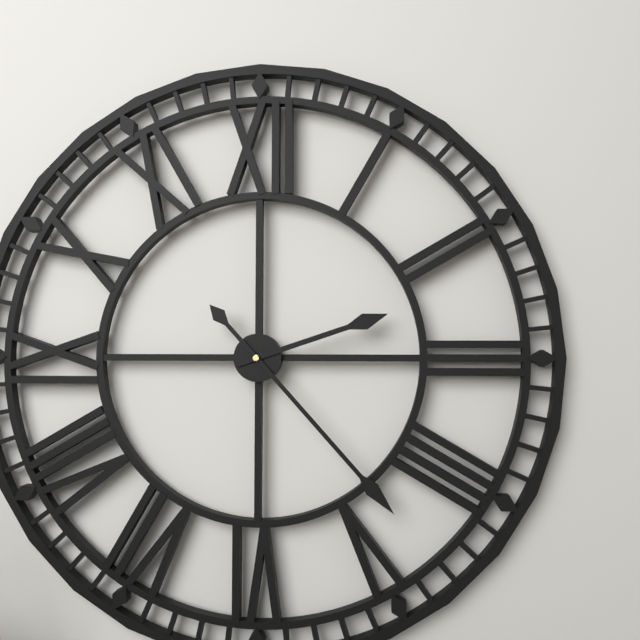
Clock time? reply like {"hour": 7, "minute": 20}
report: {"hour": 2, "minute": 23}
